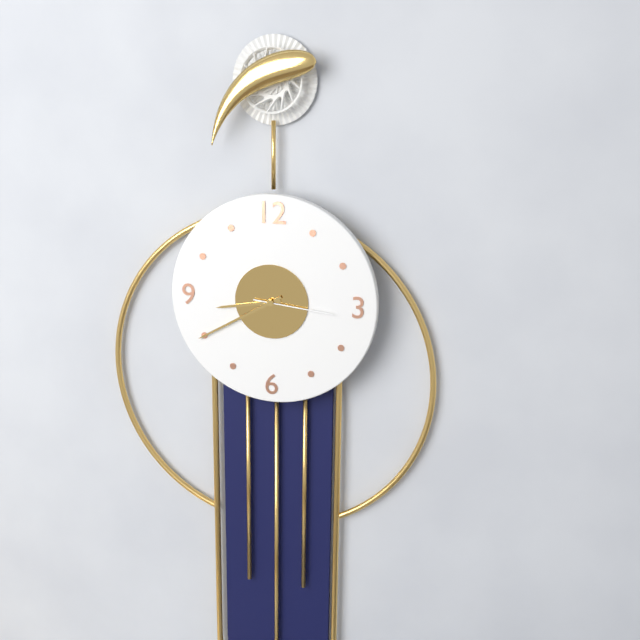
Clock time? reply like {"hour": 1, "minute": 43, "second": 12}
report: {"hour": 8, "minute": 40, "second": 16}
